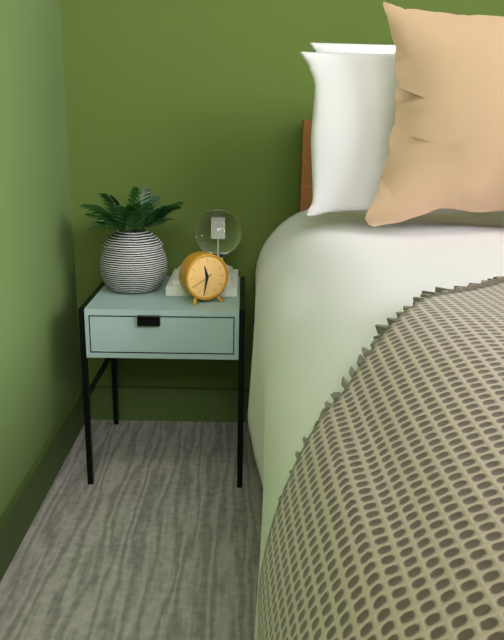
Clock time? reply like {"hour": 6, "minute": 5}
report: {"hour": 11, "minute": 32}
